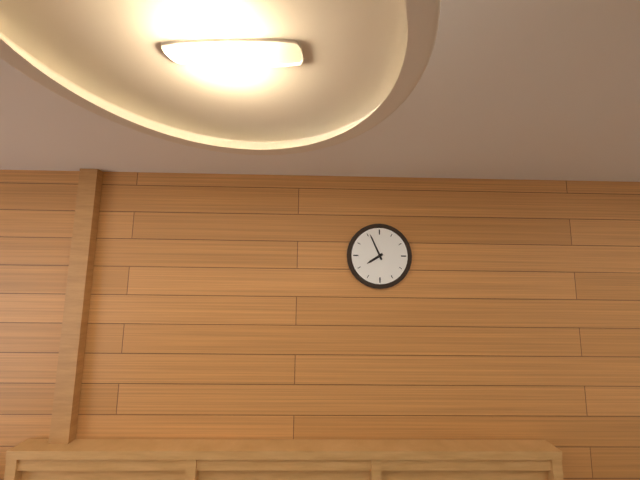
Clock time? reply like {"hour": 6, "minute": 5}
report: {"hour": 7, "minute": 56}
